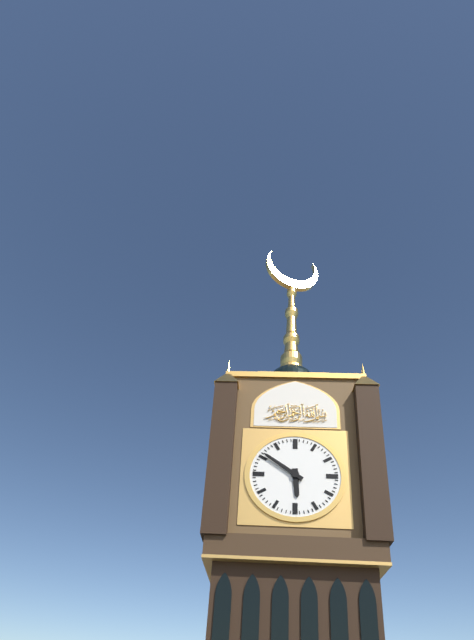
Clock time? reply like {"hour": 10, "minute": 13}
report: {"hour": 5, "minute": 51}
